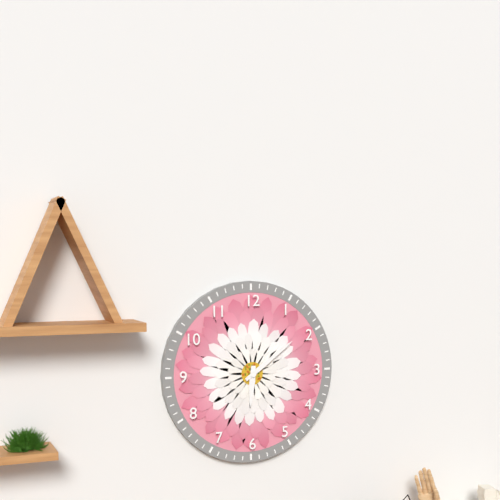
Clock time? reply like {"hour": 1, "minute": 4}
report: {"hour": 6, "minute": 9}
